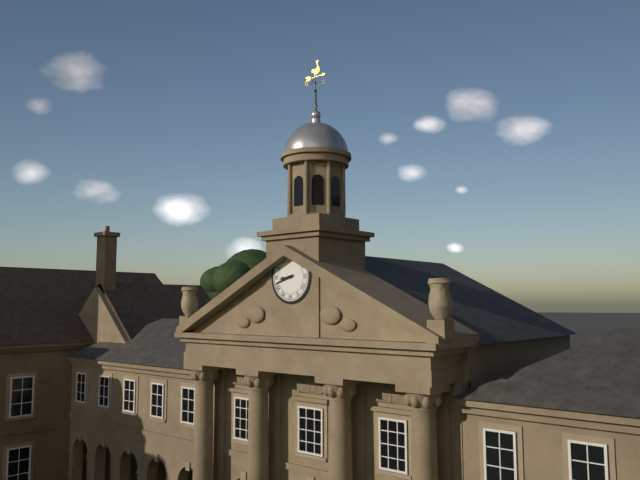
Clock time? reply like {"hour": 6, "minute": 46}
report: {"hour": 8, "minute": 42}
